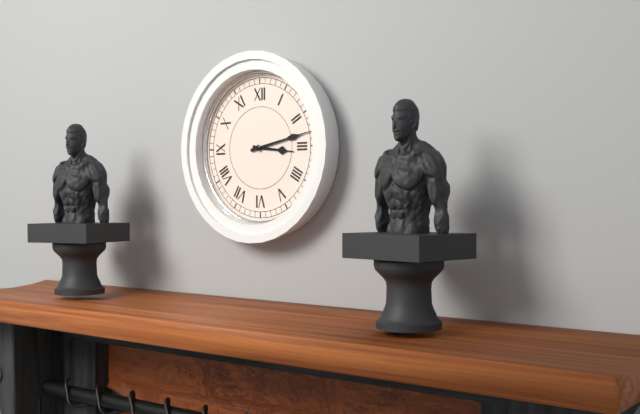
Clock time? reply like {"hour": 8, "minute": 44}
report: {"hour": 3, "minute": 13}
